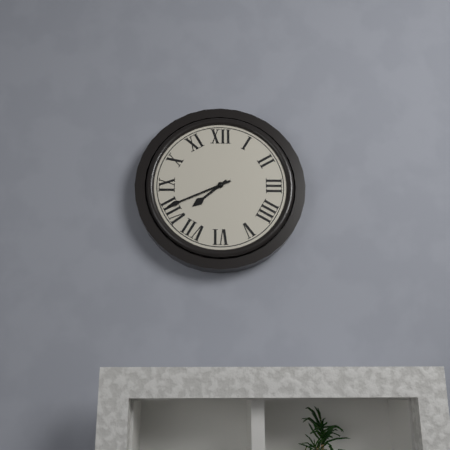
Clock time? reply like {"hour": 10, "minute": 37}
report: {"hour": 7, "minute": 41}
